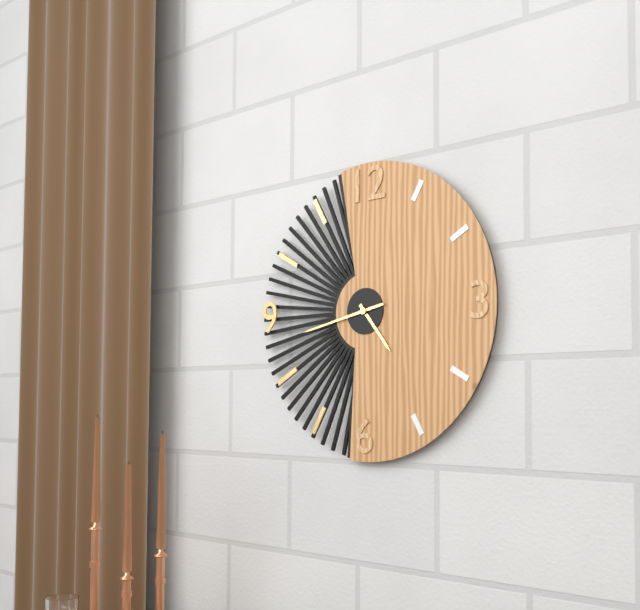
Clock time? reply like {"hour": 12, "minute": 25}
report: {"hour": 4, "minute": 43}
